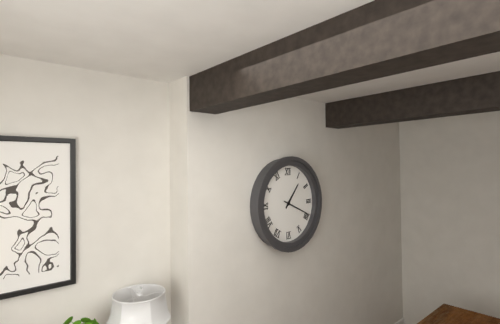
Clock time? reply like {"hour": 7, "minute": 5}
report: {"hour": 1, "minute": 19}
